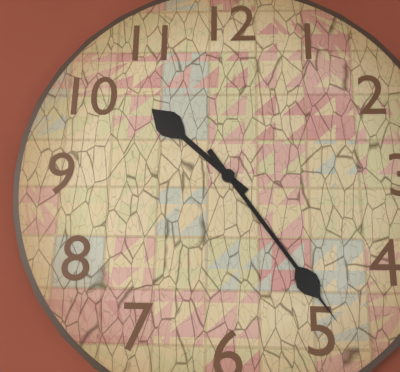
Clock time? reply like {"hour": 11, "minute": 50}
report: {"hour": 10, "minute": 24}
